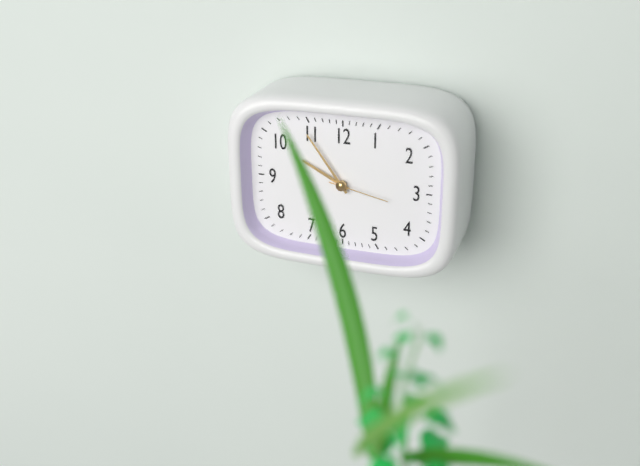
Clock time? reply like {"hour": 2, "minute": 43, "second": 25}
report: {"hour": 9, "minute": 54, "second": 17}
